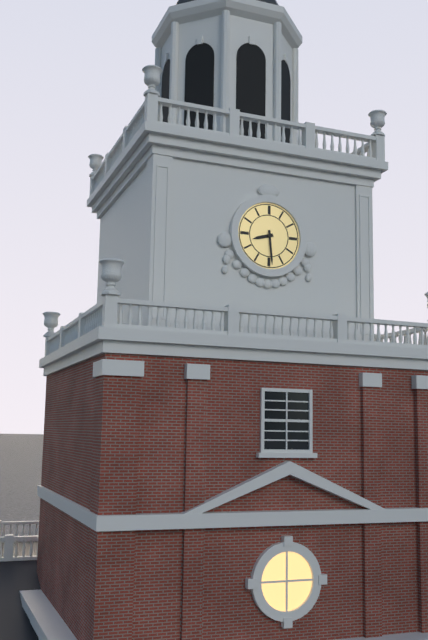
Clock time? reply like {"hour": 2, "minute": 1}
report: {"hour": 8, "minute": 29}
